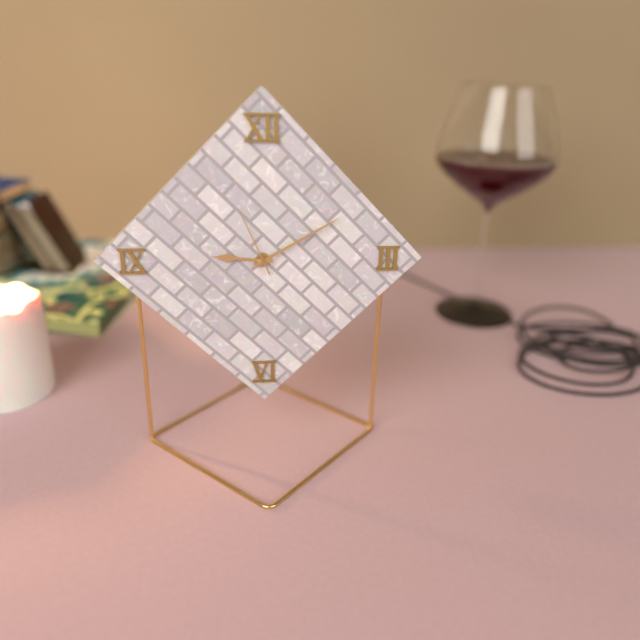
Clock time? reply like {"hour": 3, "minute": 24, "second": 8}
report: {"hour": 9, "minute": 10, "second": 56}
